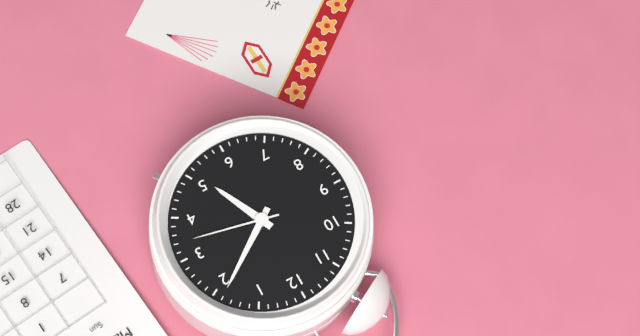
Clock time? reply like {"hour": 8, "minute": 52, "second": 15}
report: {"hour": 5, "minute": 9, "second": 17}
